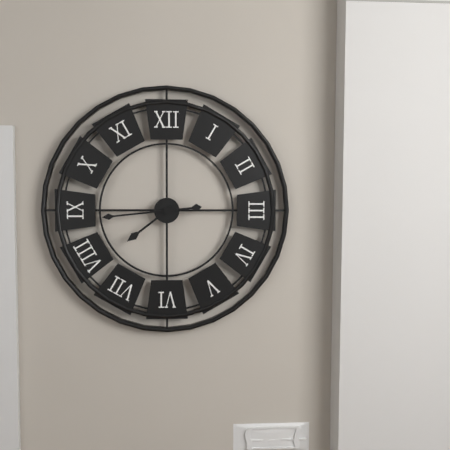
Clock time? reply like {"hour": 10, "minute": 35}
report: {"hour": 7, "minute": 44}
